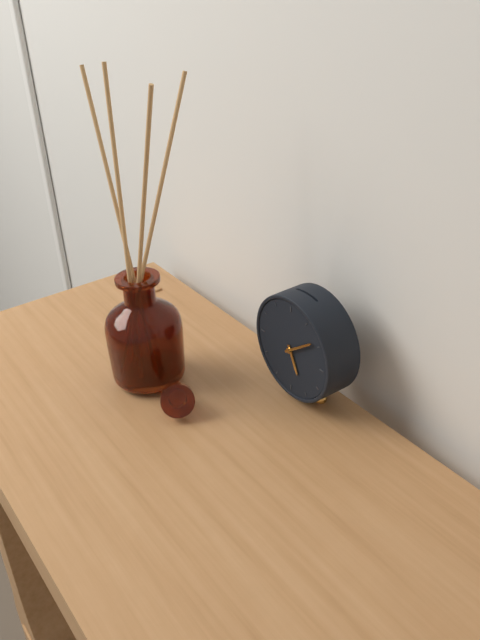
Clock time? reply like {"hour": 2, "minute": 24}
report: {"hour": 5, "minute": 9}
